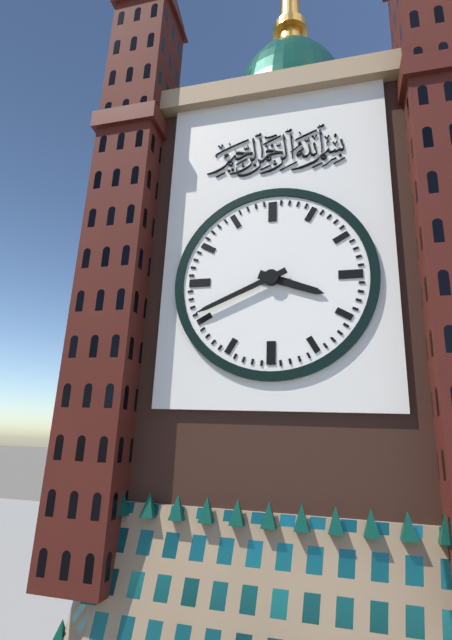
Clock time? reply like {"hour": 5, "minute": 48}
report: {"hour": 3, "minute": 41}
